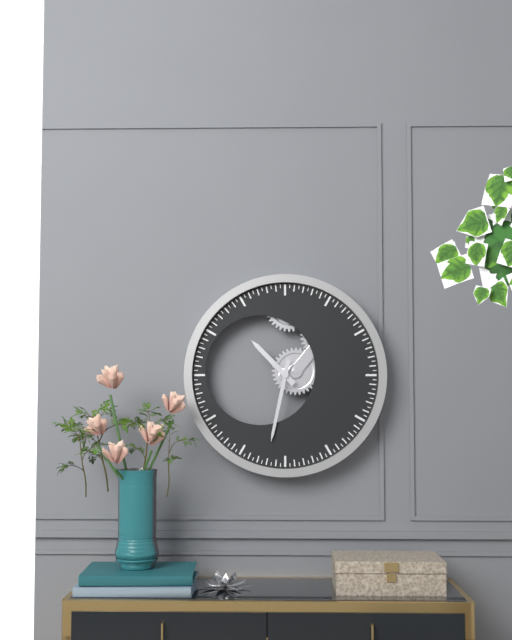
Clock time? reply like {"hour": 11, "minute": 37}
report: {"hour": 10, "minute": 32}
